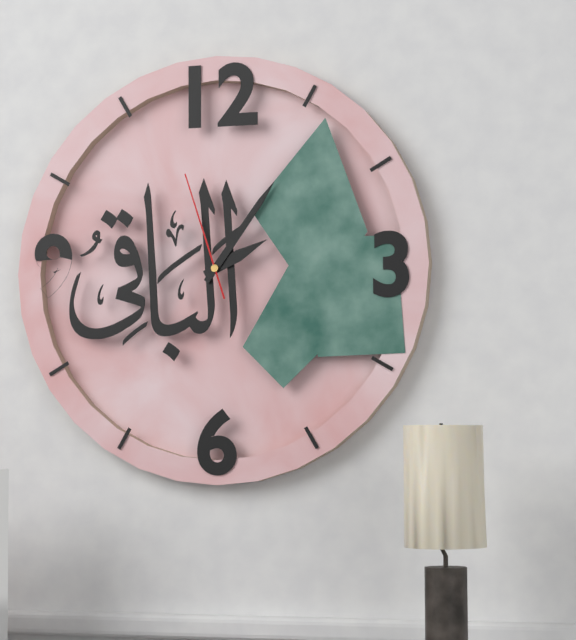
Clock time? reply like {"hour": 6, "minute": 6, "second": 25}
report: {"hour": 2, "minute": 6, "second": 57}
